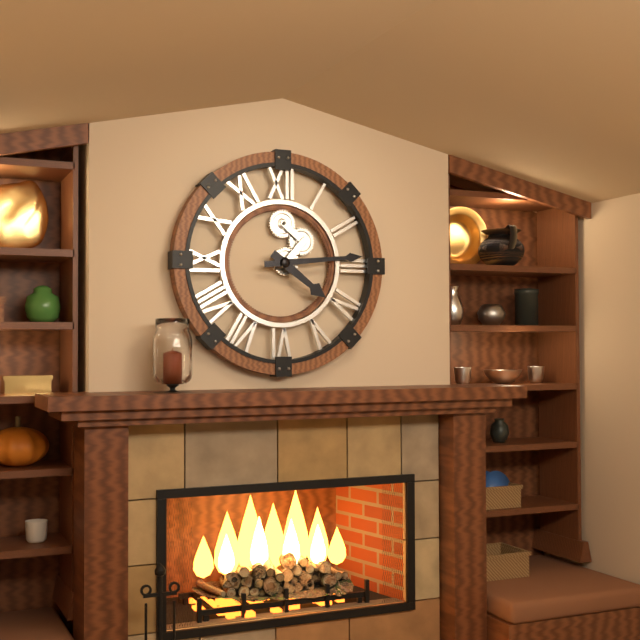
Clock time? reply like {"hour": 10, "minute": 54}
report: {"hour": 4, "minute": 14}
